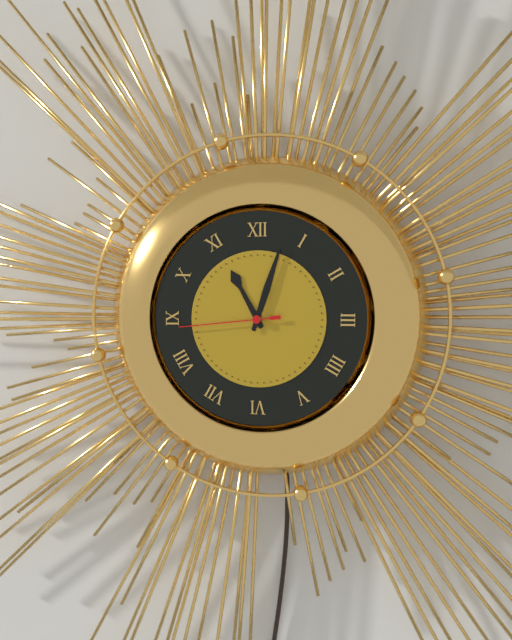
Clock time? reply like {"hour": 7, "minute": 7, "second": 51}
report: {"hour": 11, "minute": 3, "second": 44}
